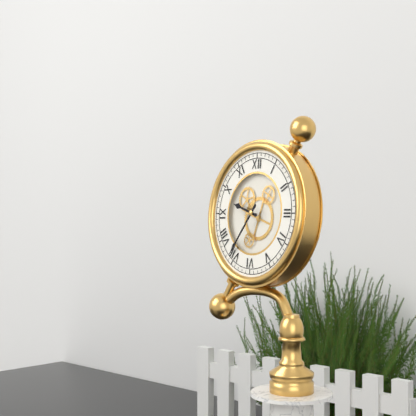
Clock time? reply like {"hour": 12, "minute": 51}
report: {"hour": 9, "minute": 36}
